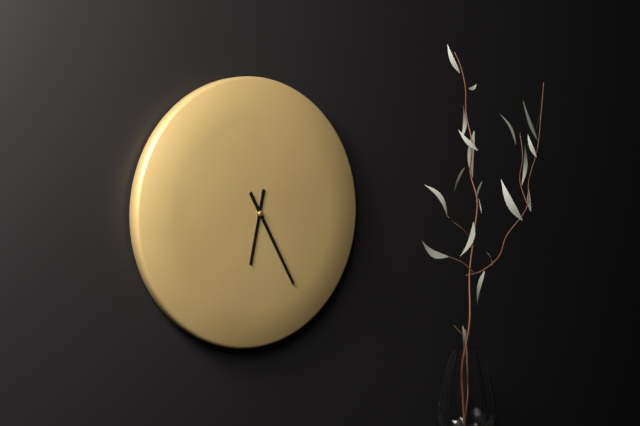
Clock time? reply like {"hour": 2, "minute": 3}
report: {"hour": 6, "minute": 25}
